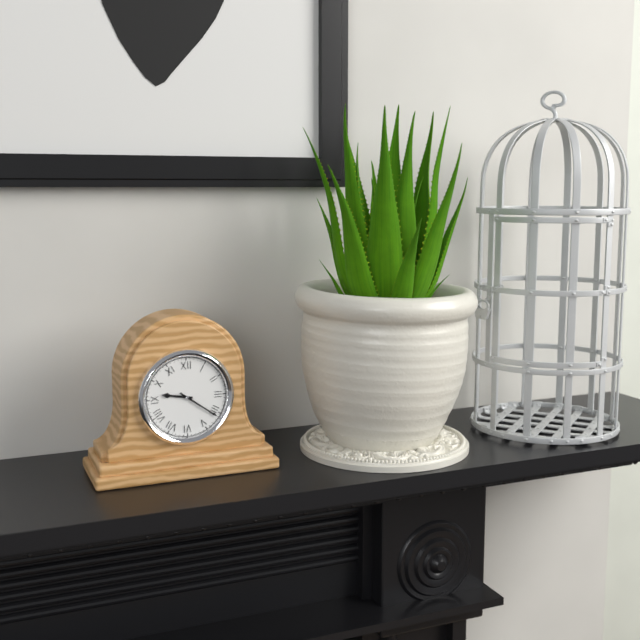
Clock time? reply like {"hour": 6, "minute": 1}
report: {"hour": 9, "minute": 21}
